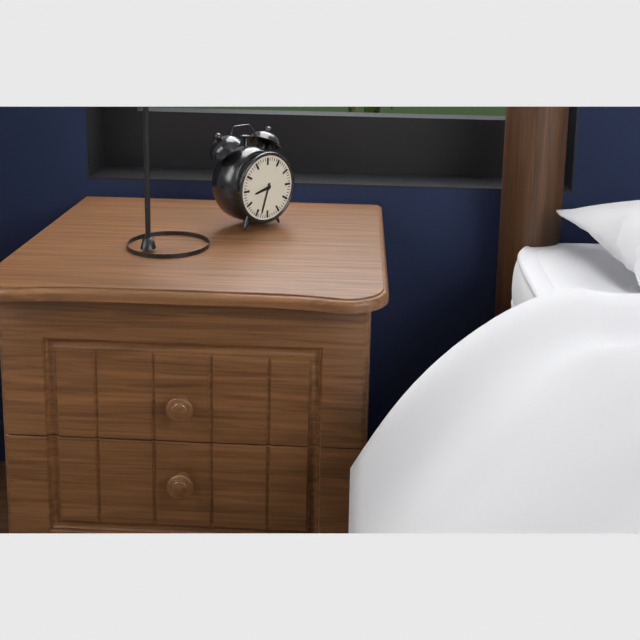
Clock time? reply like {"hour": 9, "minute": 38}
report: {"hour": 8, "minute": 33}
